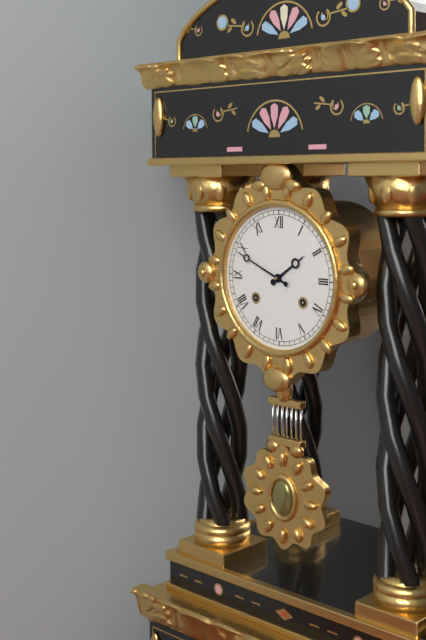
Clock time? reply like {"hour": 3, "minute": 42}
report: {"hour": 1, "minute": 49}
